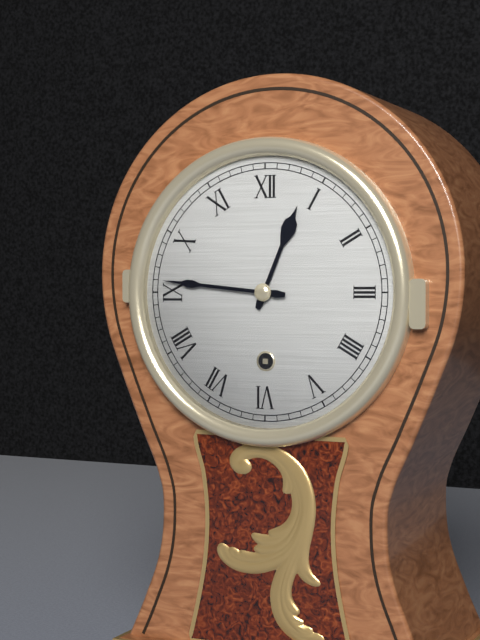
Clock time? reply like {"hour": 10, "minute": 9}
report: {"hour": 12, "minute": 46}
